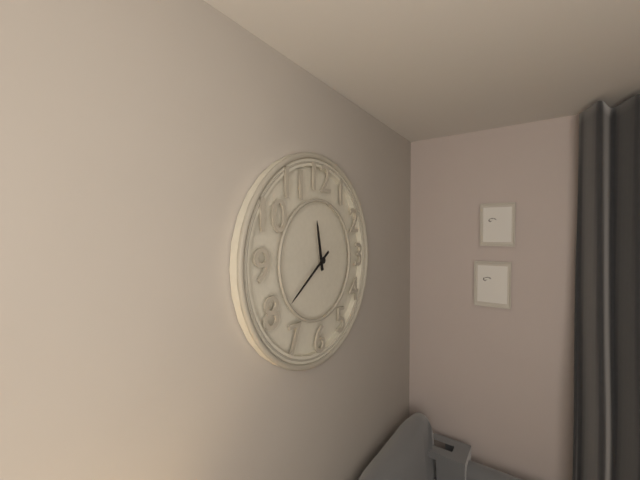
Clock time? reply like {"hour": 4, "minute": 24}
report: {"hour": 11, "minute": 39}
